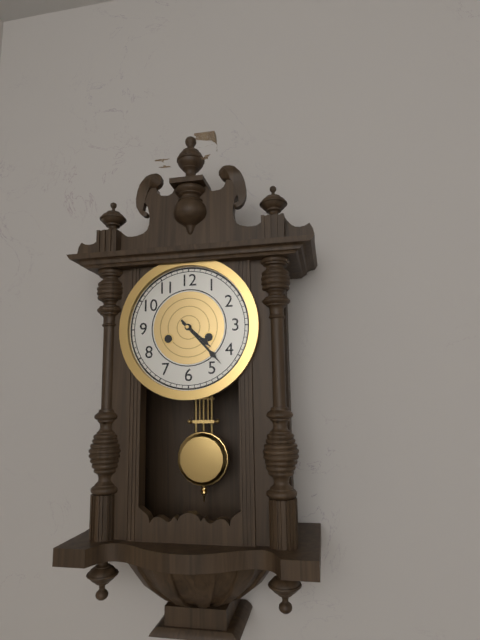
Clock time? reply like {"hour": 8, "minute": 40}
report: {"hour": 4, "minute": 23}
